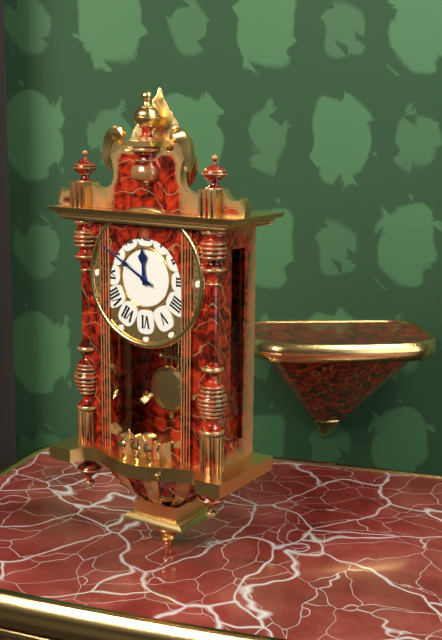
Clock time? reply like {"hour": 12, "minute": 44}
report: {"hour": 11, "minute": 50}
